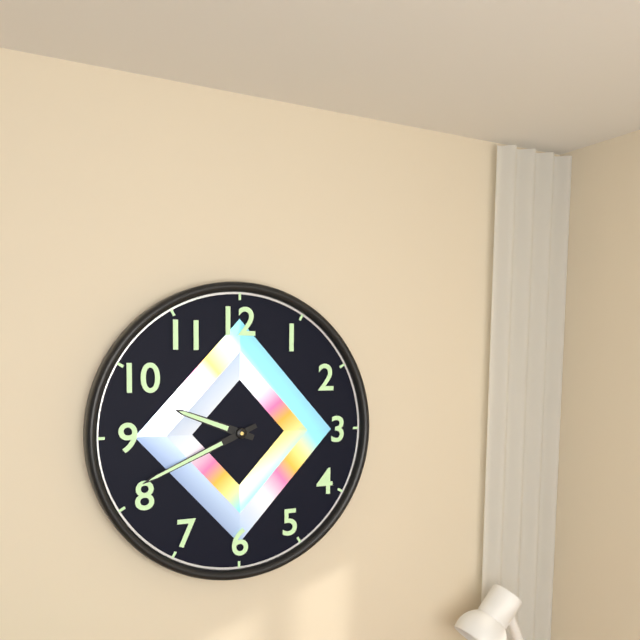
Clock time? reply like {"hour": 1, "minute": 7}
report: {"hour": 9, "minute": 41}
